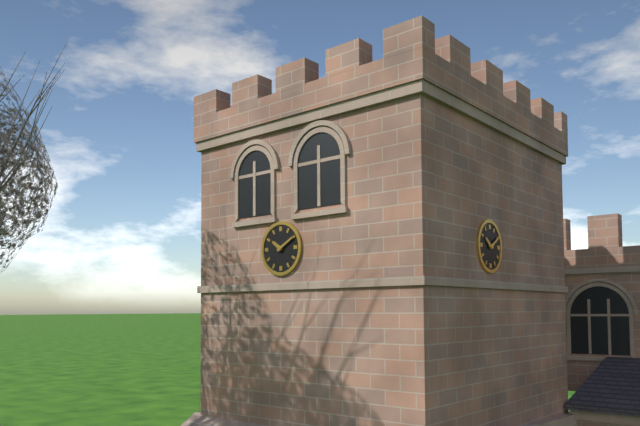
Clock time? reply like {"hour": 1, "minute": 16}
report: {"hour": 10, "minute": 10}
